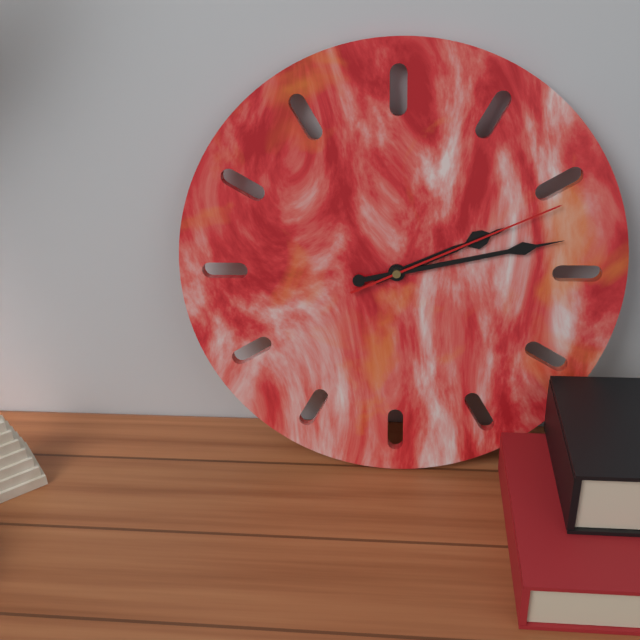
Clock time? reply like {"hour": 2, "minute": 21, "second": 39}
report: {"hour": 2, "minute": 13, "second": 11}
